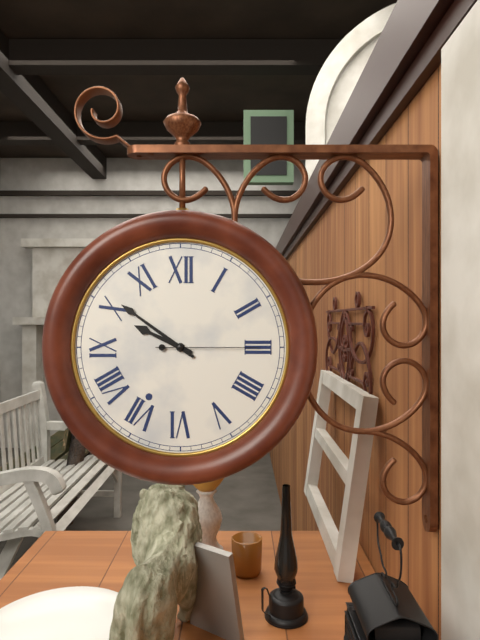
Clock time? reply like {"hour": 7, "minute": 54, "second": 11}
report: {"hour": 9, "minute": 51, "second": 15}
